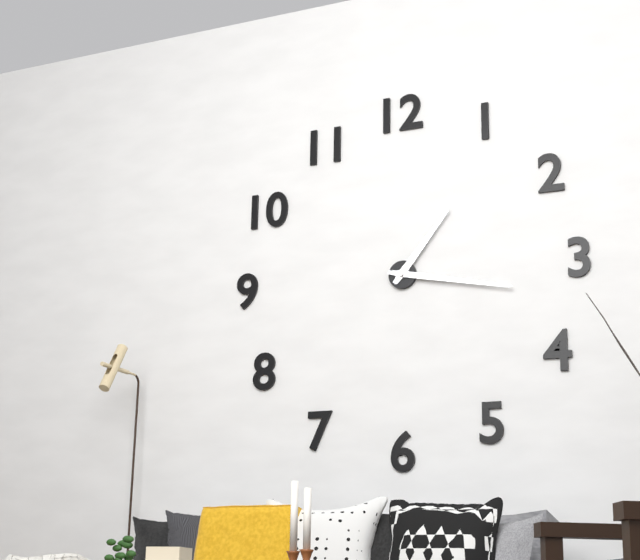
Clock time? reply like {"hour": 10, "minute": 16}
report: {"hour": 1, "minute": 17}
